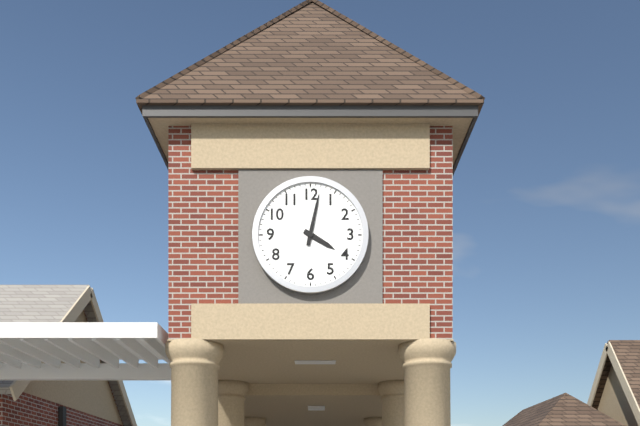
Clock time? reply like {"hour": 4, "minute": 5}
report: {"hour": 4, "minute": 2}
